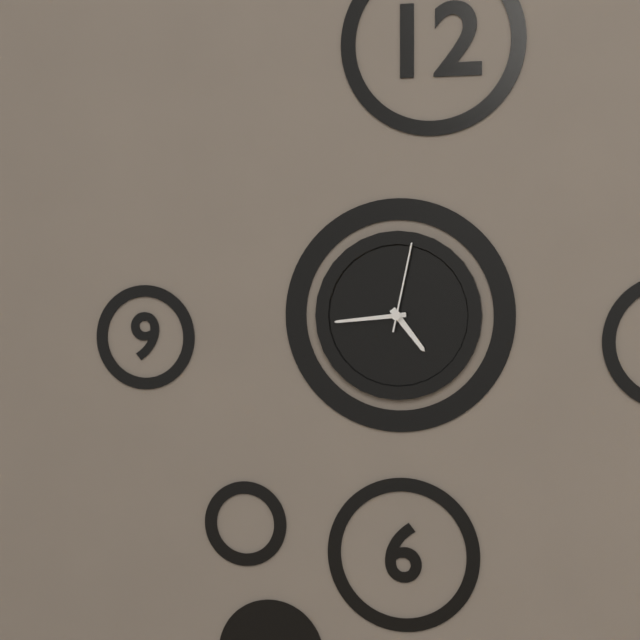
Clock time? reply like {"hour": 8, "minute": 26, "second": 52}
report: {"hour": 4, "minute": 44, "second": 2}
